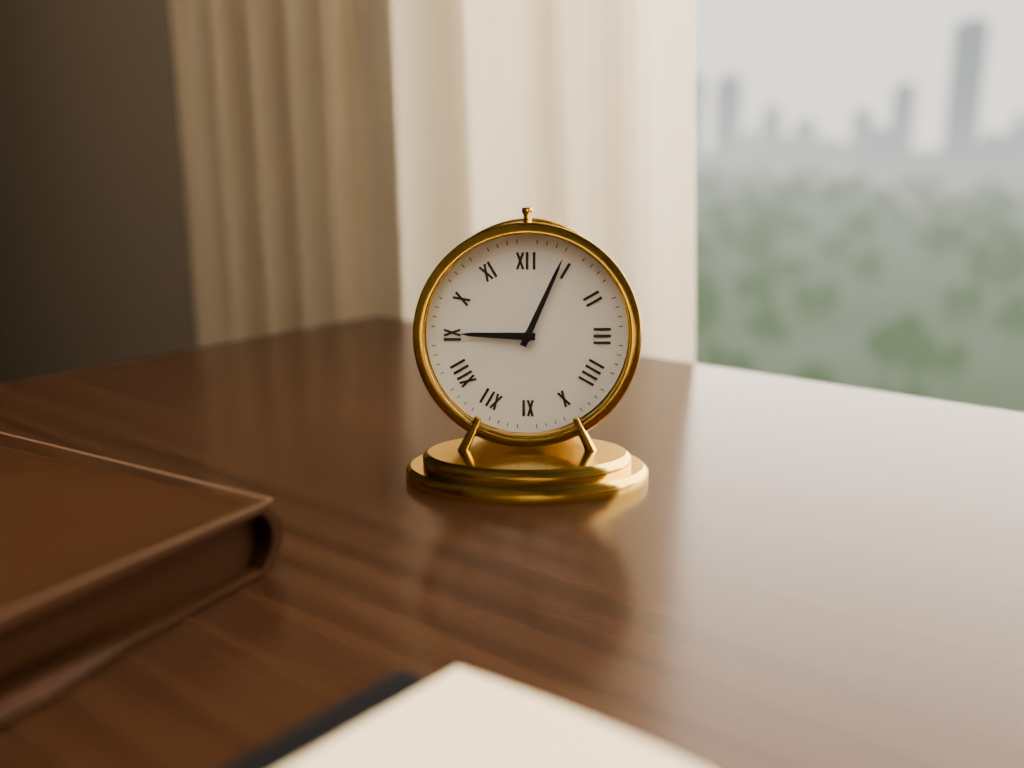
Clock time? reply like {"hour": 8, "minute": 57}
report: {"hour": 9, "minute": 4}
